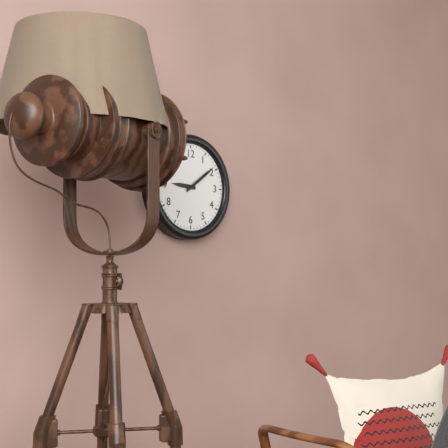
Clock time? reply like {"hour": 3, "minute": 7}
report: {"hour": 9, "minute": 9}
